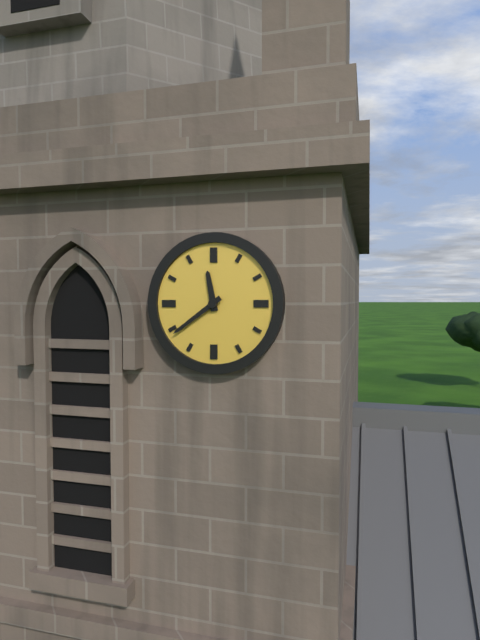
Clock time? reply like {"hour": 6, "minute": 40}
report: {"hour": 11, "minute": 39}
